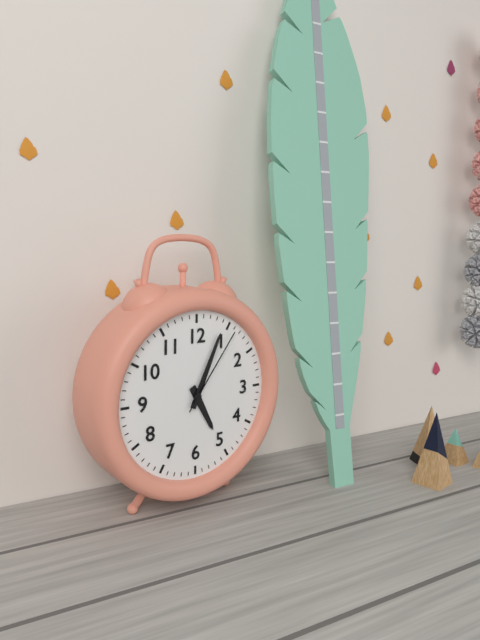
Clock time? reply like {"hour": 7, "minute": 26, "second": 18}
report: {"hour": 5, "minute": 4, "second": 6}
